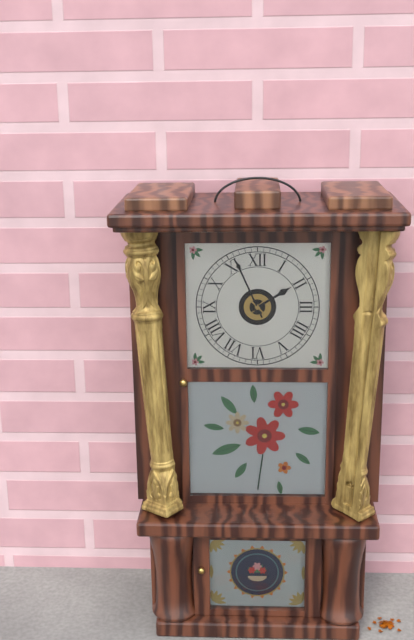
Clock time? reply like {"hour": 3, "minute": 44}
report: {"hour": 1, "minute": 56}
